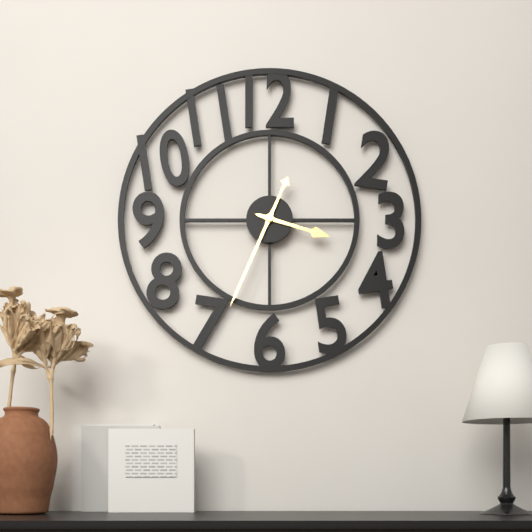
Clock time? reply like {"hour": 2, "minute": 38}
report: {"hour": 3, "minute": 34}
